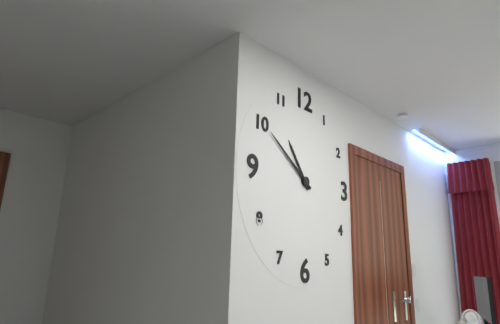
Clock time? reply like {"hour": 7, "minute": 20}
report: {"hour": 10, "minute": 51}
